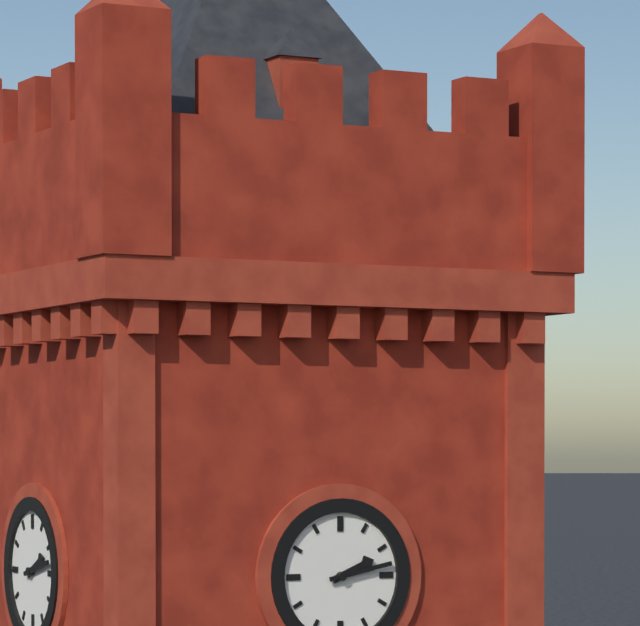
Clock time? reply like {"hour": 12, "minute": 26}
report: {"hour": 2, "minute": 13}
